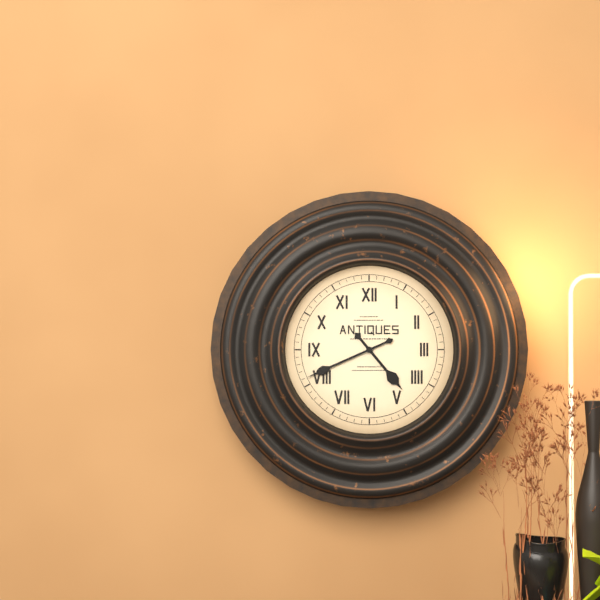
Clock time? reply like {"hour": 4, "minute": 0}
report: {"hour": 4, "minute": 41}
